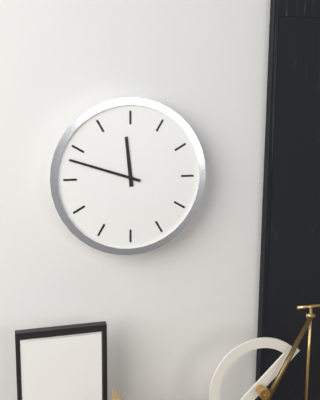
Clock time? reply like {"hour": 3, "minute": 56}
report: {"hour": 11, "minute": 48}
